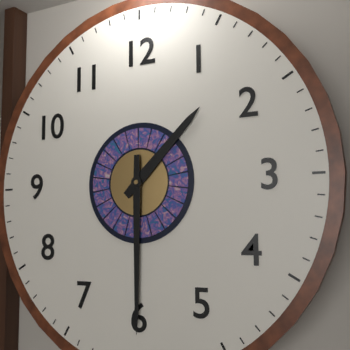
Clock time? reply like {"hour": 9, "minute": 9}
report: {"hour": 1, "minute": 30}
